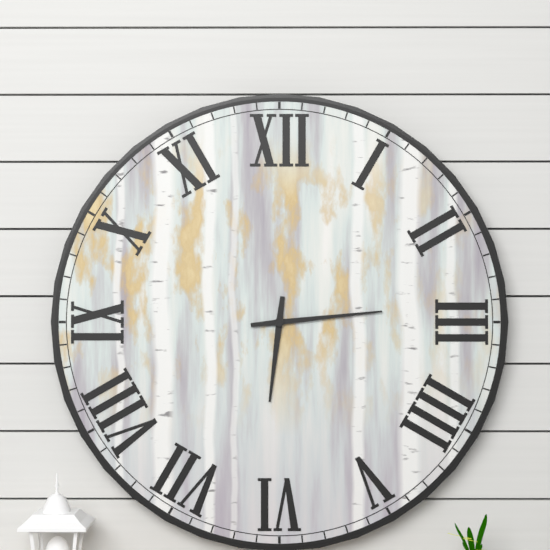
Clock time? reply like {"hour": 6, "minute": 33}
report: {"hour": 6, "minute": 14}
